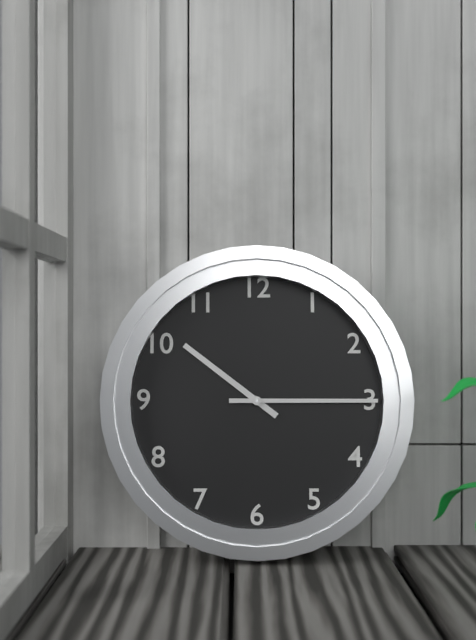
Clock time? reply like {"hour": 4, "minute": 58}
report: {"hour": 10, "minute": 15}
